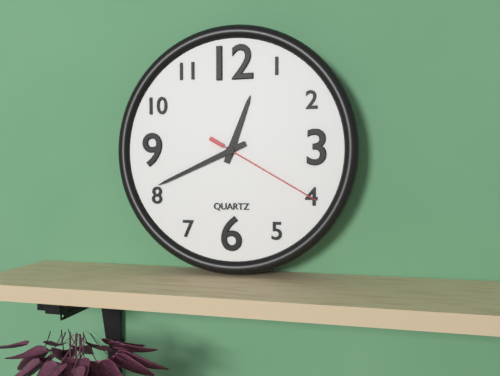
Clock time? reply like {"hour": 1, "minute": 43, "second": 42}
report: {"hour": 12, "minute": 41, "second": 20}
